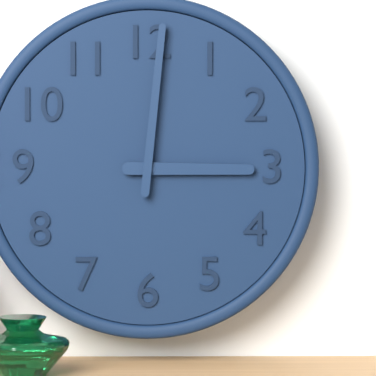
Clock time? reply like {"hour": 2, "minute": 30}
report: {"hour": 3, "minute": 1}
